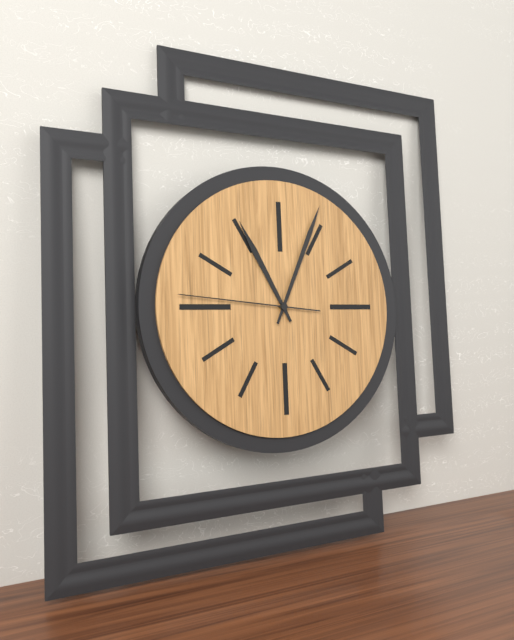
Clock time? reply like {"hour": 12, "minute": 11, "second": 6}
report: {"hour": 11, "minute": 4, "second": 46}
